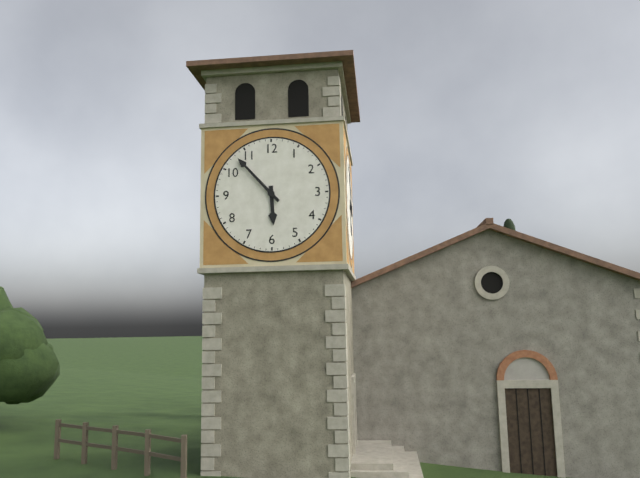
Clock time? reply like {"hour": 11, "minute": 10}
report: {"hour": 5, "minute": 53}
